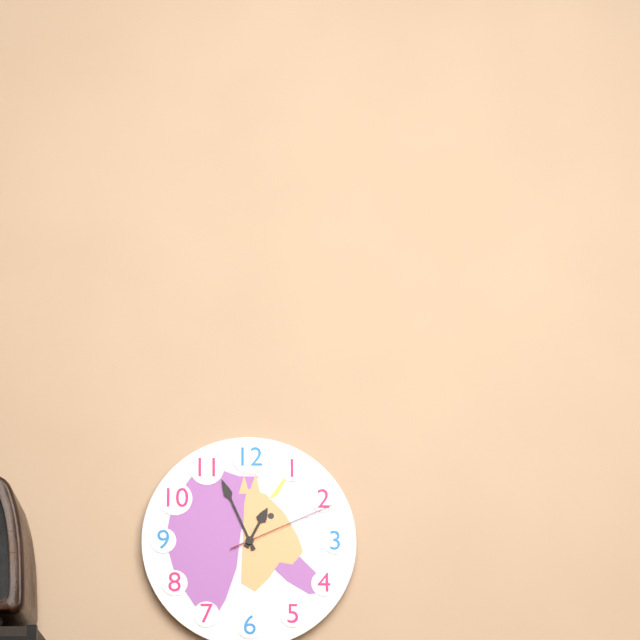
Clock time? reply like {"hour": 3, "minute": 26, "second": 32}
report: {"hour": 12, "minute": 56, "second": 11}
